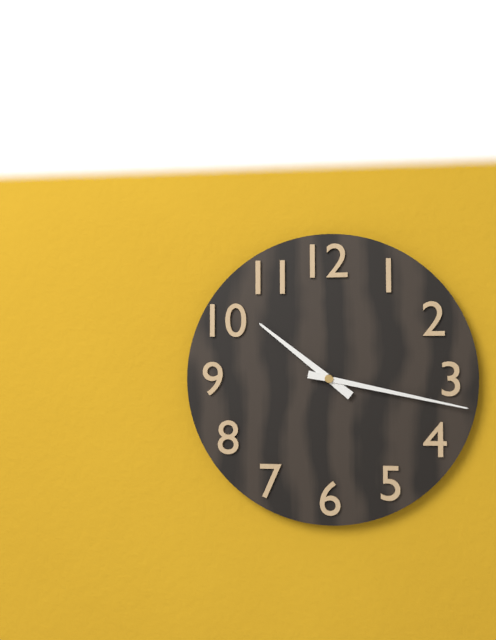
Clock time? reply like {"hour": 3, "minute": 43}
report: {"hour": 10, "minute": 17}
